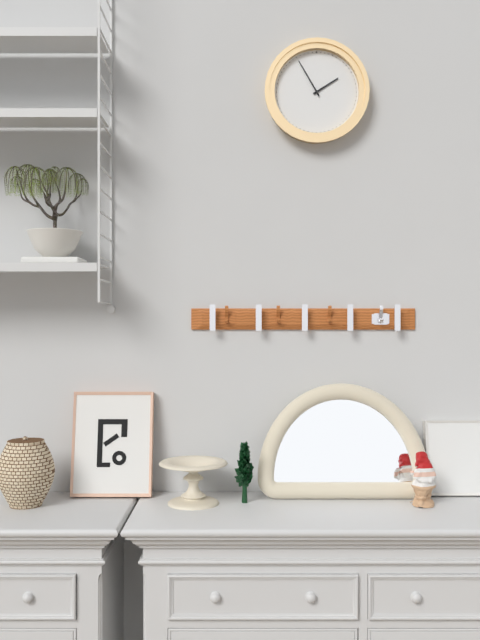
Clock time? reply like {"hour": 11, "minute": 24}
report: {"hour": 1, "minute": 55}
